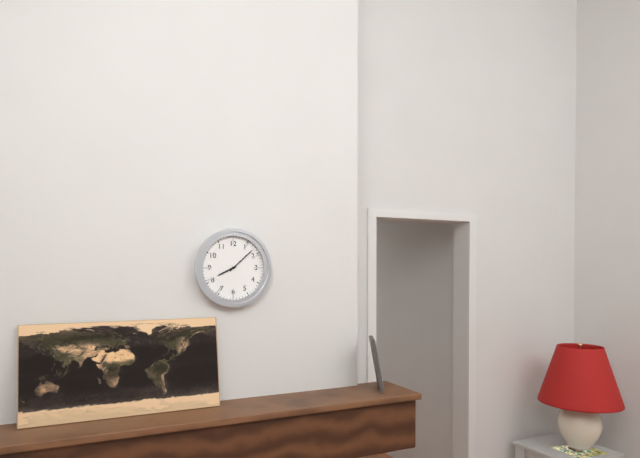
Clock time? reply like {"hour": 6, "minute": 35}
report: {"hour": 8, "minute": 8}
